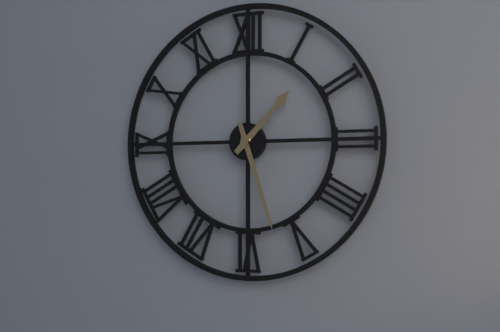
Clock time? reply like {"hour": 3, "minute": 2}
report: {"hour": 1, "minute": 27}
